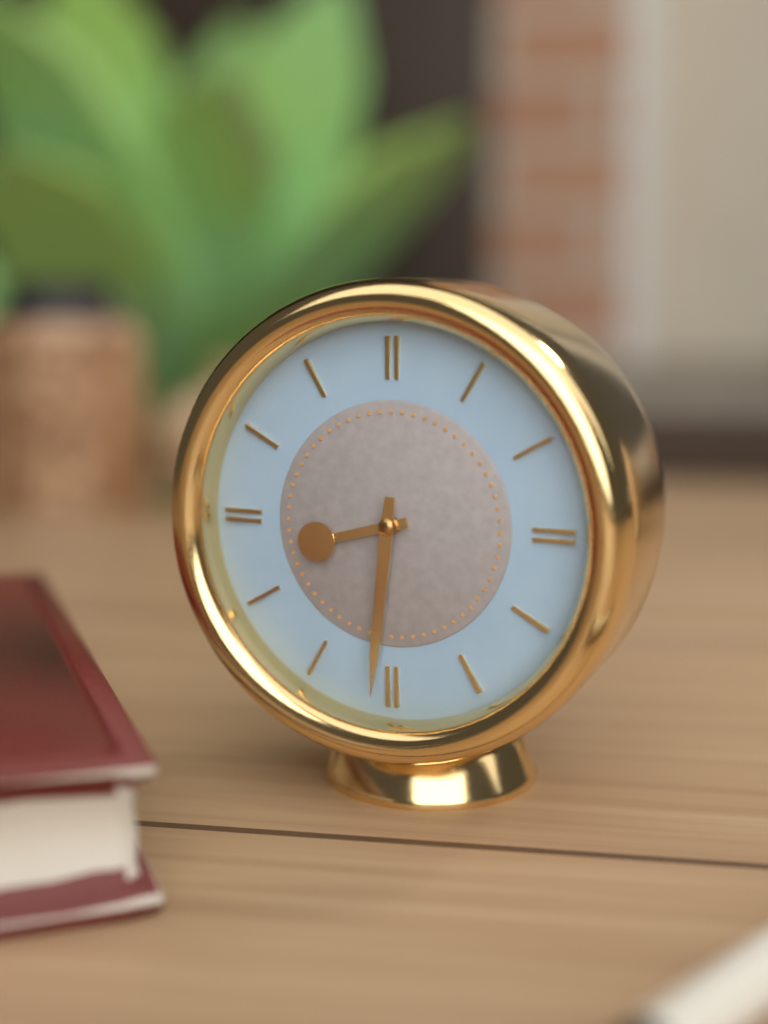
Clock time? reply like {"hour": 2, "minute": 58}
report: {"hour": 8, "minute": 31}
